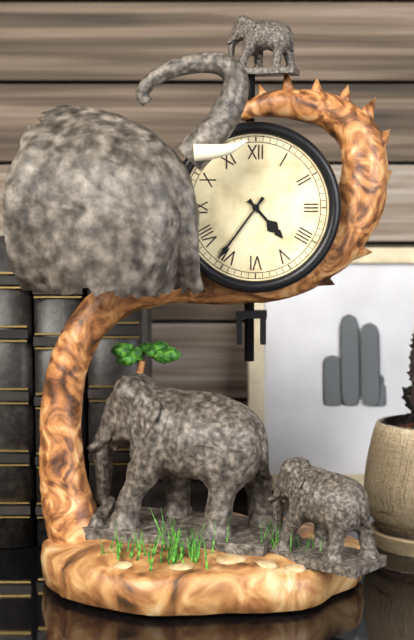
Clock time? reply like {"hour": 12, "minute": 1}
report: {"hour": 4, "minute": 36}
